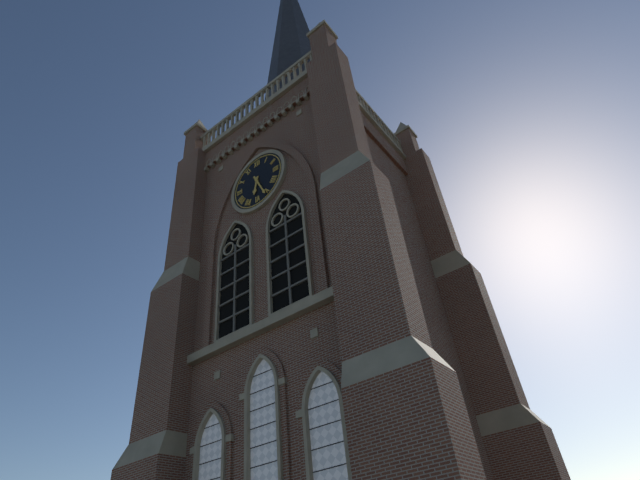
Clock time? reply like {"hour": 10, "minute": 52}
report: {"hour": 6, "minute": 26}
